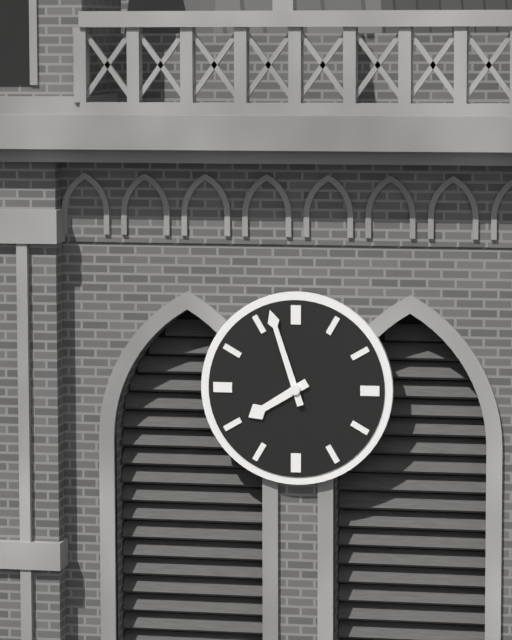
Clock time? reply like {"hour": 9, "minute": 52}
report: {"hour": 7, "minute": 57}
